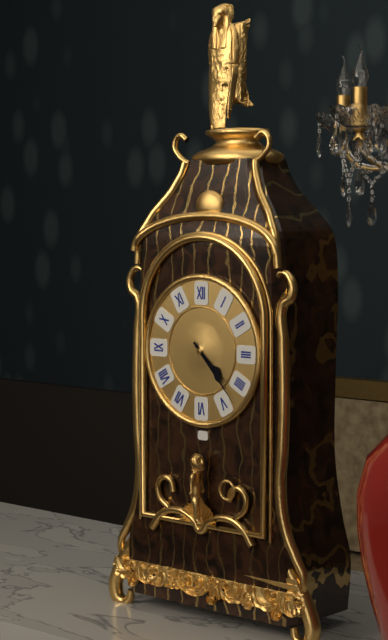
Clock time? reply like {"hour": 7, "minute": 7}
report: {"hour": 4, "minute": 23}
